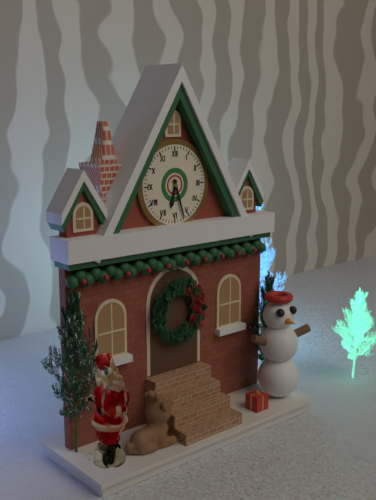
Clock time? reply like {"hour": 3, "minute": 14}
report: {"hour": 6, "minute": 27}
